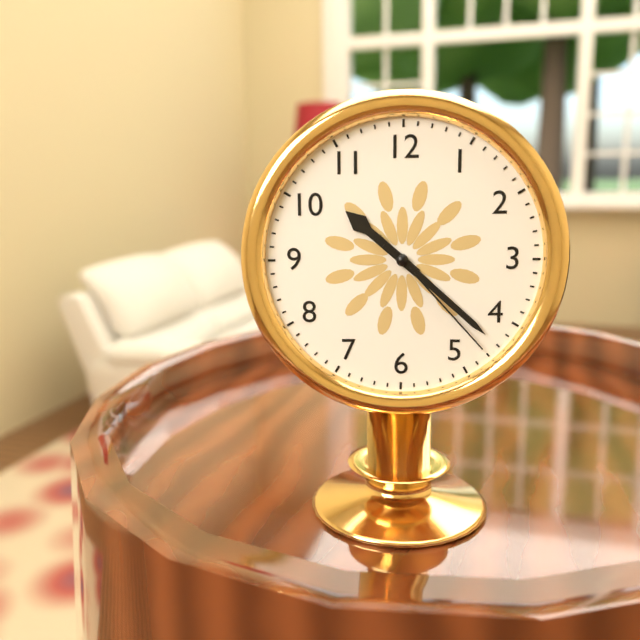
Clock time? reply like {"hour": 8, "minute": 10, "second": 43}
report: {"hour": 10, "minute": 22, "second": 23}
